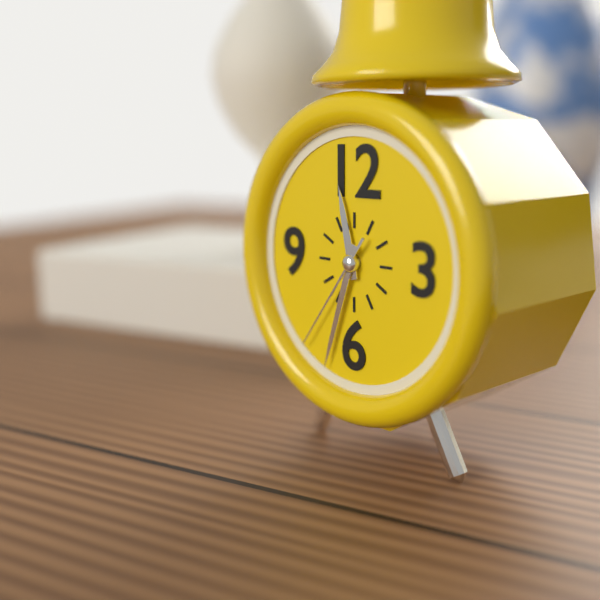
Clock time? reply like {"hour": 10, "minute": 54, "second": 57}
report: {"hour": 11, "minute": 33, "second": 36}
